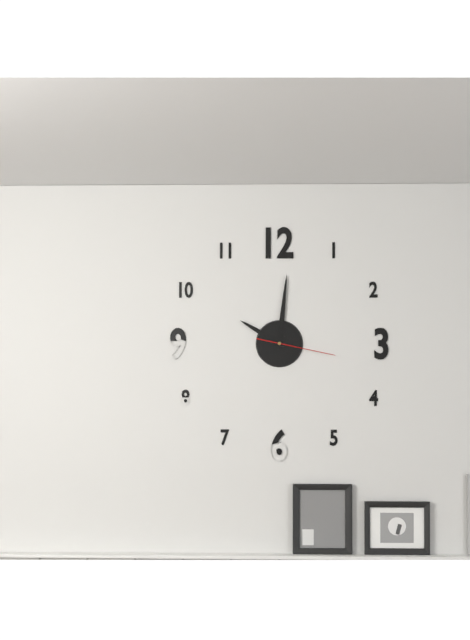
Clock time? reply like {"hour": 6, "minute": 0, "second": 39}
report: {"hour": 10, "minute": 1, "second": 17}
